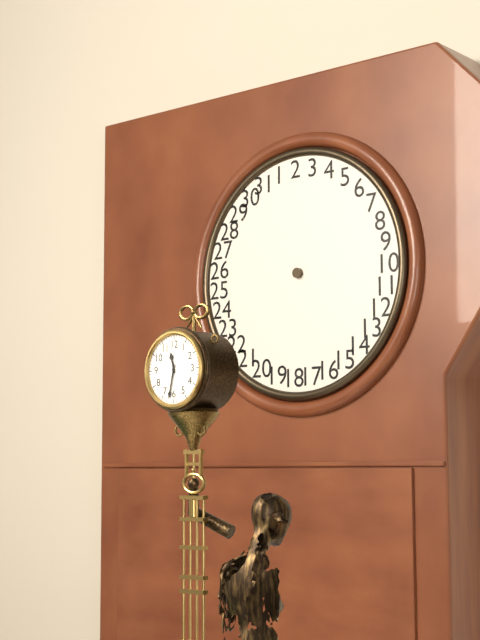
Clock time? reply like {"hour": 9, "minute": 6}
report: {"hour": 11, "minute": 32}
